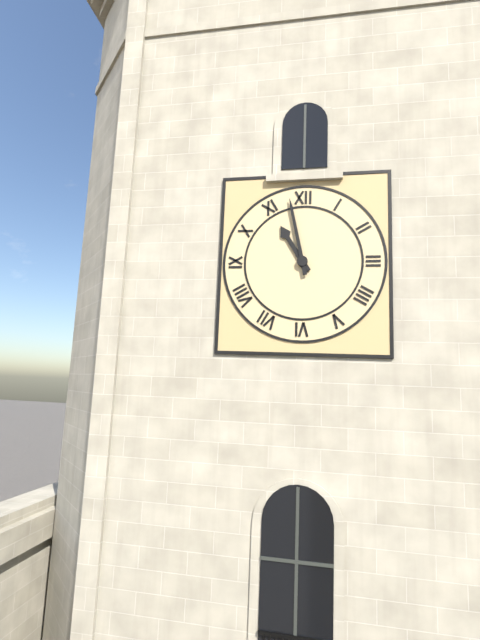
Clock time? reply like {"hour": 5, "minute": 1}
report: {"hour": 10, "minute": 58}
